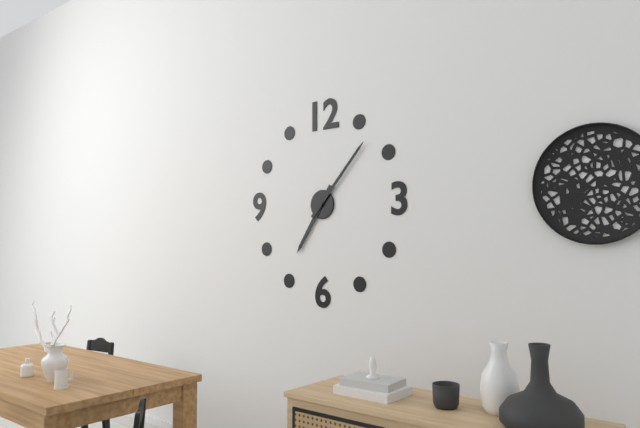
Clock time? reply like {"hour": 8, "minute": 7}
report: {"hour": 7, "minute": 7}
